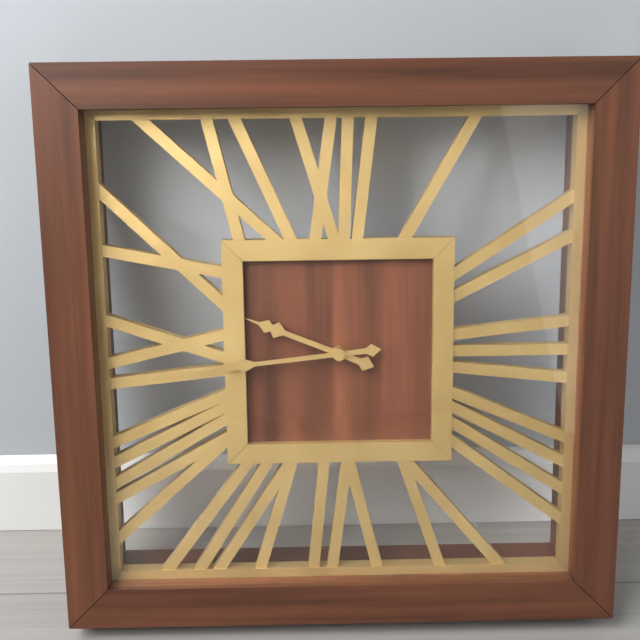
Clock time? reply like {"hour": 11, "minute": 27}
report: {"hour": 9, "minute": 44}
